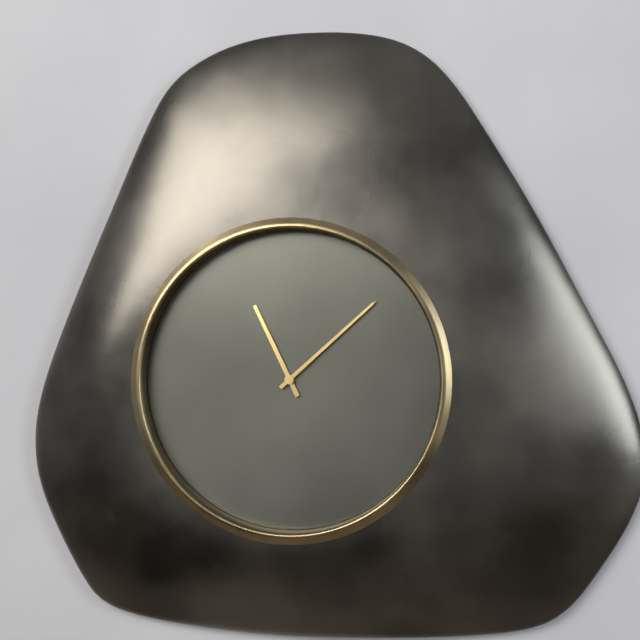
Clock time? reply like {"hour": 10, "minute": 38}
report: {"hour": 11, "minute": 8}
